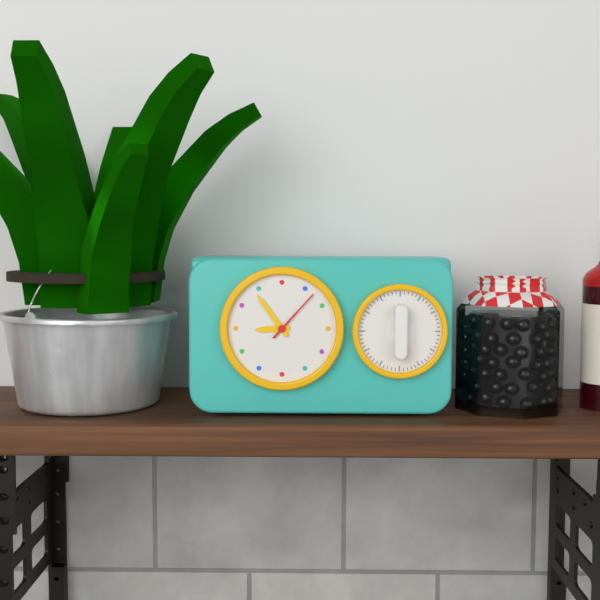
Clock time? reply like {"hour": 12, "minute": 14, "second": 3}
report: {"hour": 8, "minute": 54, "second": 7}
